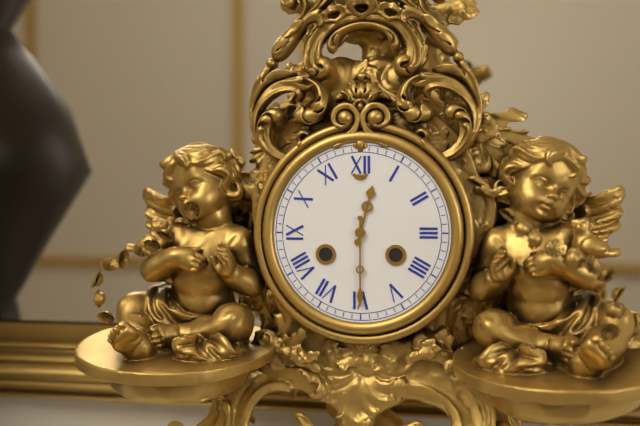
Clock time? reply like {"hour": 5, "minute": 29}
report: {"hour": 12, "minute": 30}
